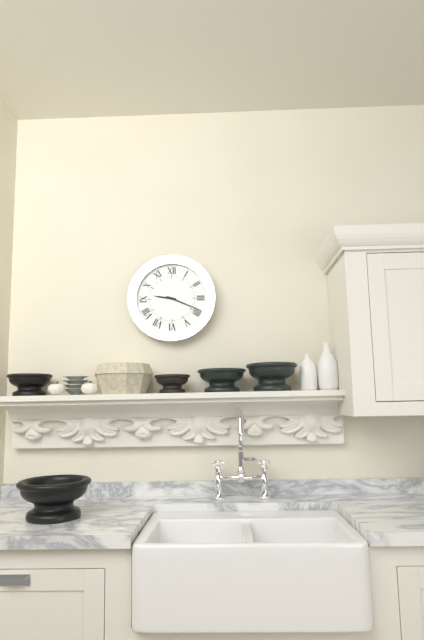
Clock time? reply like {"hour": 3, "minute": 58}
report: {"hour": 9, "minute": 19}
